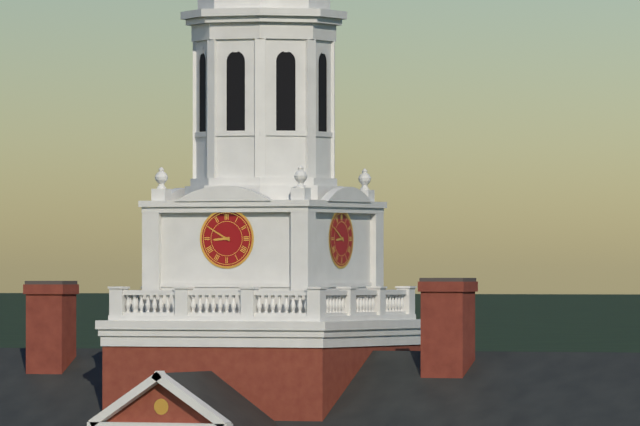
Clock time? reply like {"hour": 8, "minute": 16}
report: {"hour": 8, "minute": 50}
